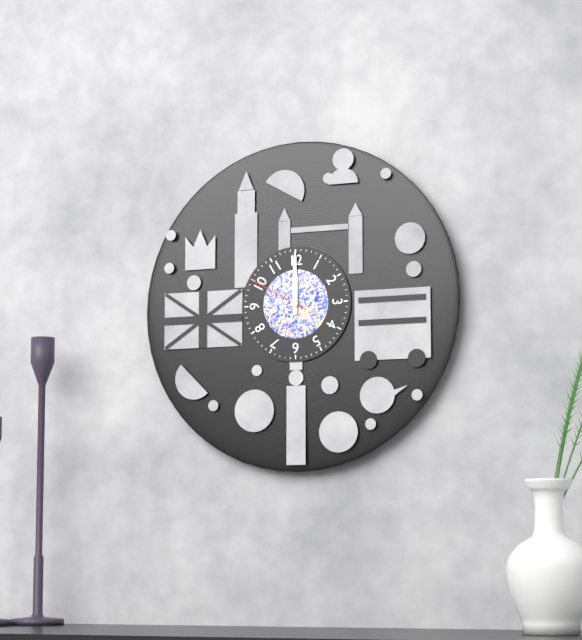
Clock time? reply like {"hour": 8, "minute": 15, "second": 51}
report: {"hour": 12, "minute": 0, "second": 50}
